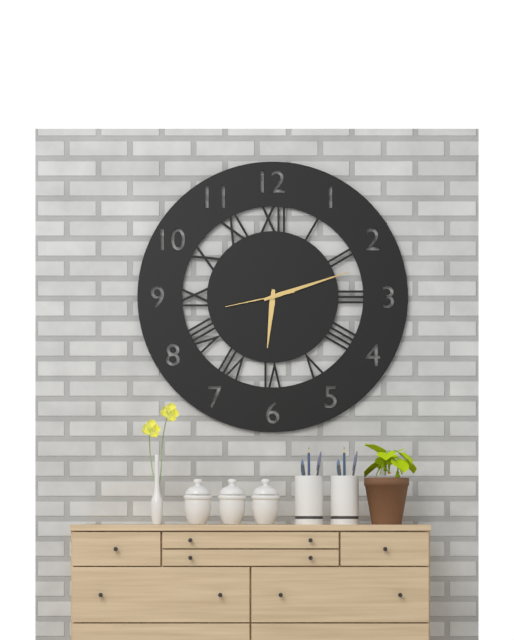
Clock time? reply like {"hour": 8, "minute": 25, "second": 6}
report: {"hour": 6, "minute": 12, "second": 43}
